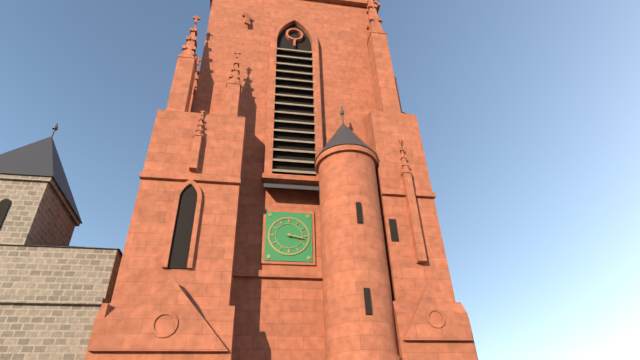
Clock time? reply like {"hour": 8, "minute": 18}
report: {"hour": 3, "minute": 17}
